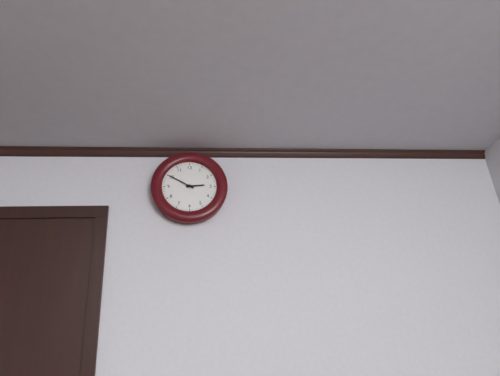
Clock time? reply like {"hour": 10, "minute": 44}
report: {"hour": 2, "minute": 50}
